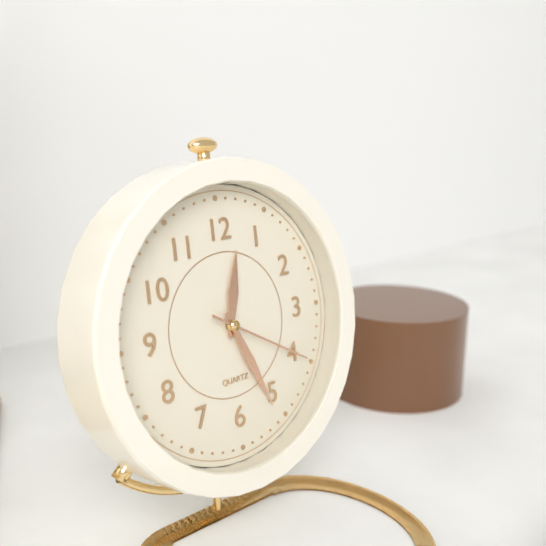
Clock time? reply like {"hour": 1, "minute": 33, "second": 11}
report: {"hour": 12, "minute": 26, "second": 20}
